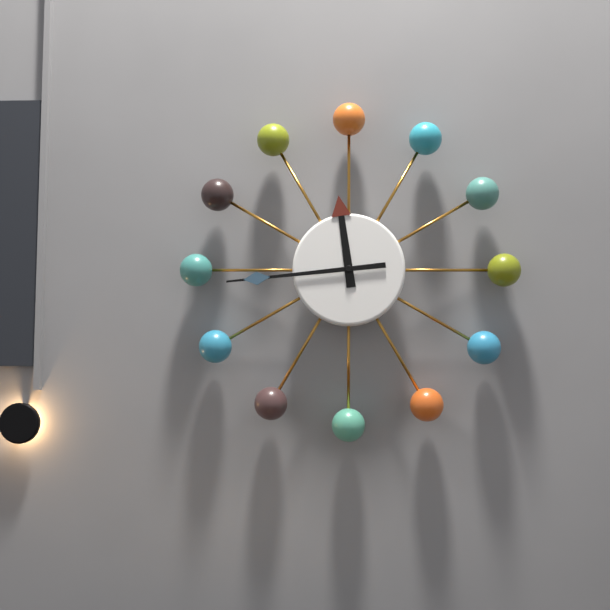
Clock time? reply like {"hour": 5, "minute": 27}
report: {"hour": 11, "minute": 44}
